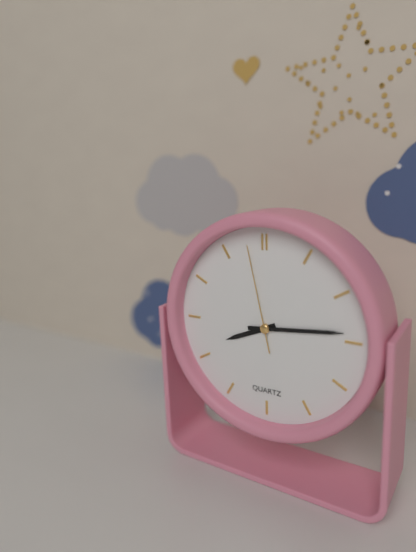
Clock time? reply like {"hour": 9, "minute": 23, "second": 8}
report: {"hour": 8, "minute": 14, "second": 58}
